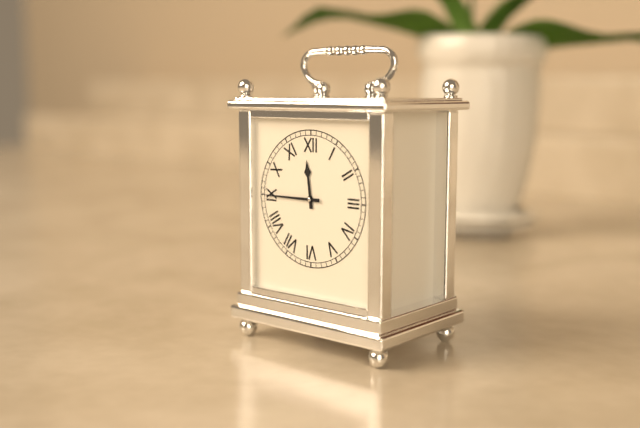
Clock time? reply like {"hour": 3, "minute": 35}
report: {"hour": 11, "minute": 45}
